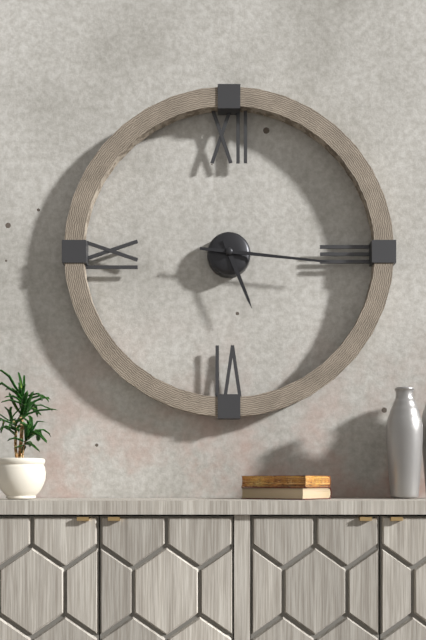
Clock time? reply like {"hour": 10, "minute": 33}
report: {"hour": 5, "minute": 16}
